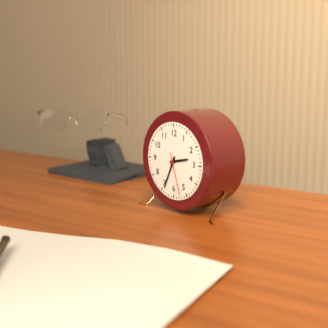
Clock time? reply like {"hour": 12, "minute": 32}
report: {"hour": 2, "minute": 34}
